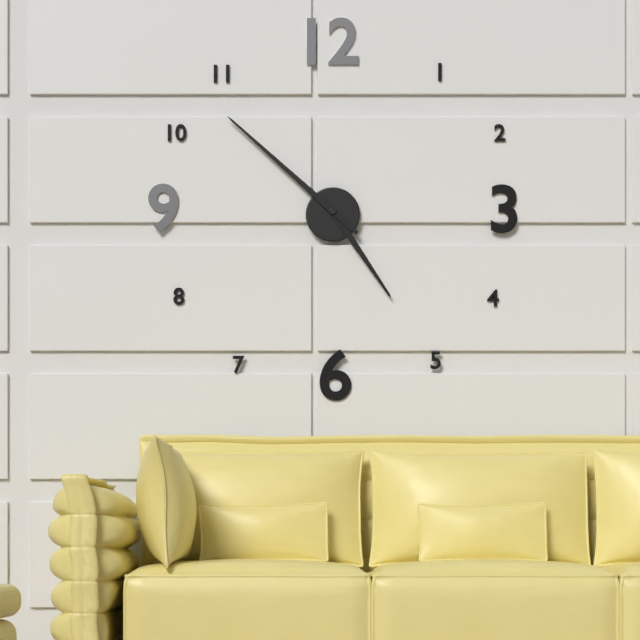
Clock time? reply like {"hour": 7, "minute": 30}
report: {"hour": 4, "minute": 52}
